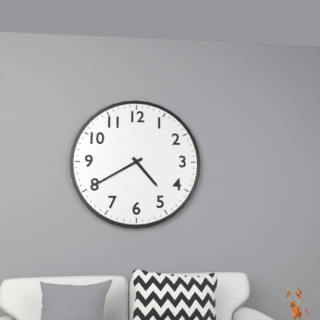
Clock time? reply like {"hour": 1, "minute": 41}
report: {"hour": 4, "minute": 40}
